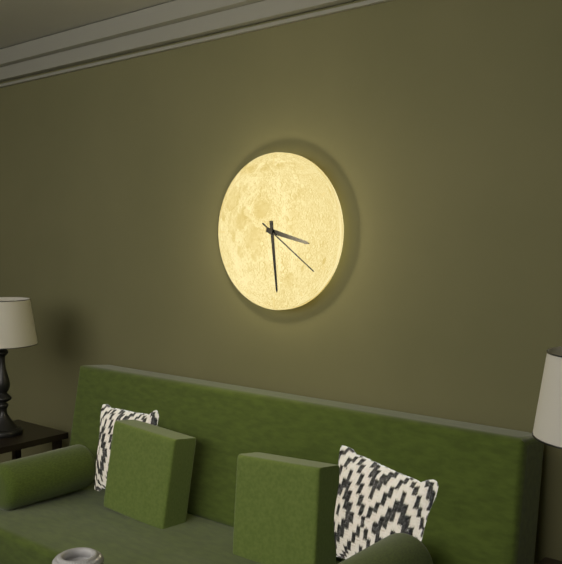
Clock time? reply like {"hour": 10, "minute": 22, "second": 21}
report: {"hour": 3, "minute": 29, "second": 21}
